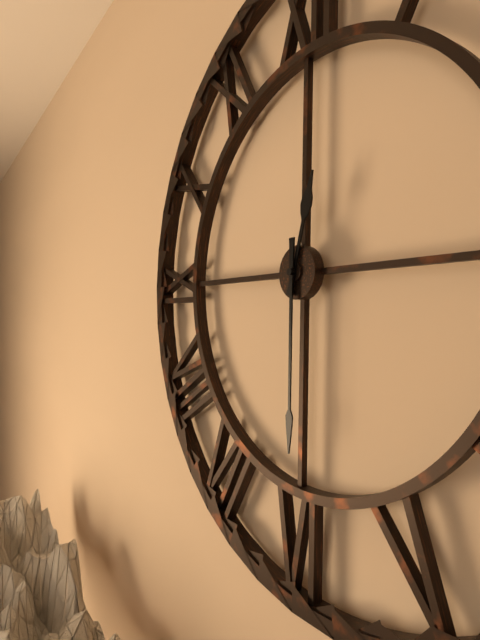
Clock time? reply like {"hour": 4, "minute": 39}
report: {"hour": 12, "minute": 30}
